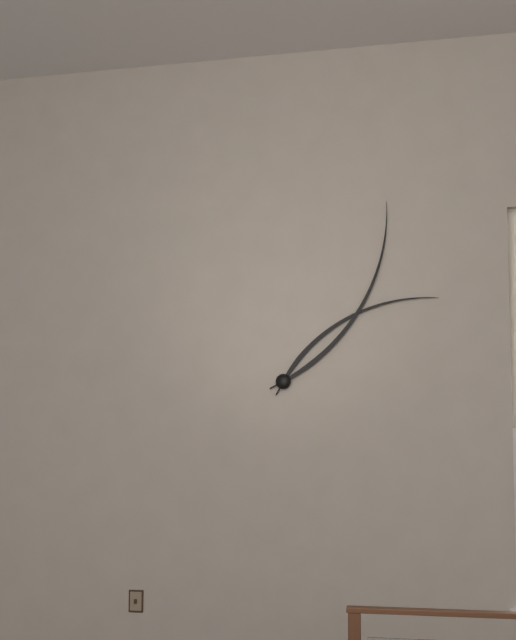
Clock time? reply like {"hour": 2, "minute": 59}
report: {"hour": 2, "minute": 5}
